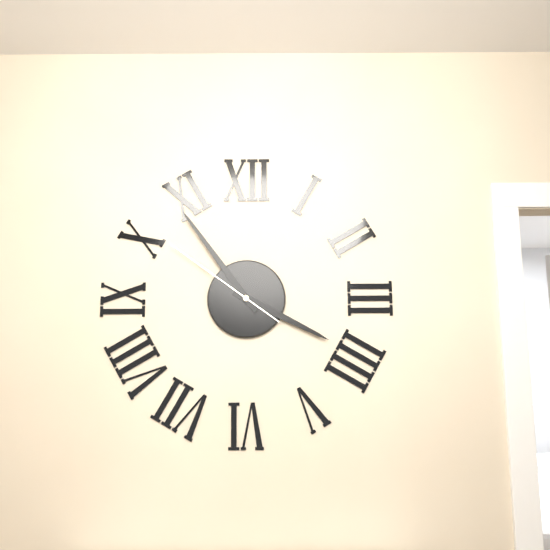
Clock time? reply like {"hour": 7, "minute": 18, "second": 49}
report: {"hour": 3, "minute": 54, "second": 51}
